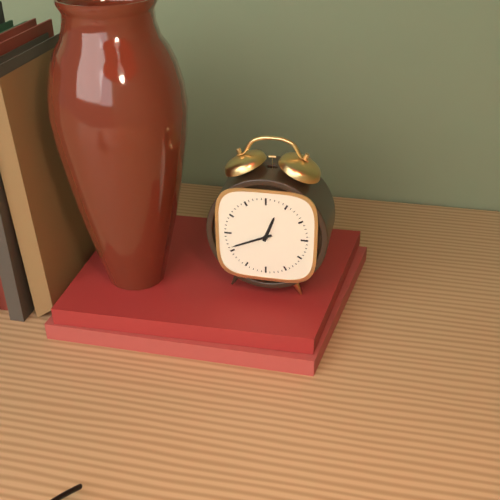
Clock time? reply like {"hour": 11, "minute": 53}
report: {"hour": 12, "minute": 41}
